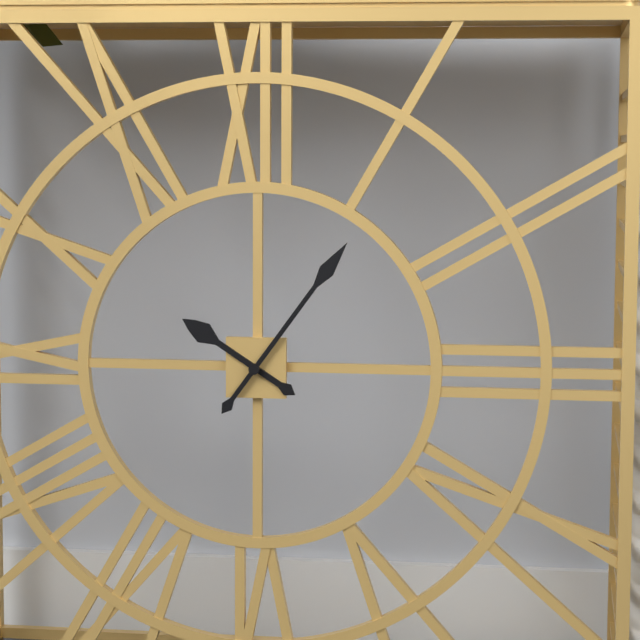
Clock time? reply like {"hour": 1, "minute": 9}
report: {"hour": 10, "minute": 6}
